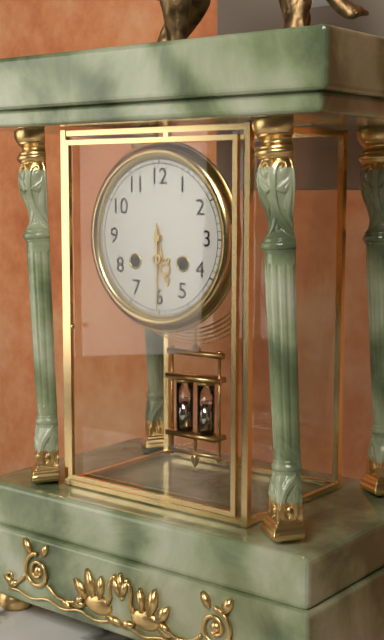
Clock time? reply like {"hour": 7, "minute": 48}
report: {"hour": 5, "minute": 30}
